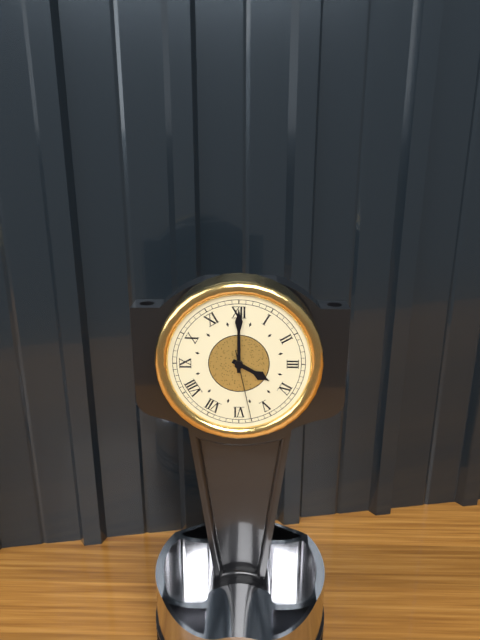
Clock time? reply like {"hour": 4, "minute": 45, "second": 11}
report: {"hour": 4, "minute": 0, "second": 28}
